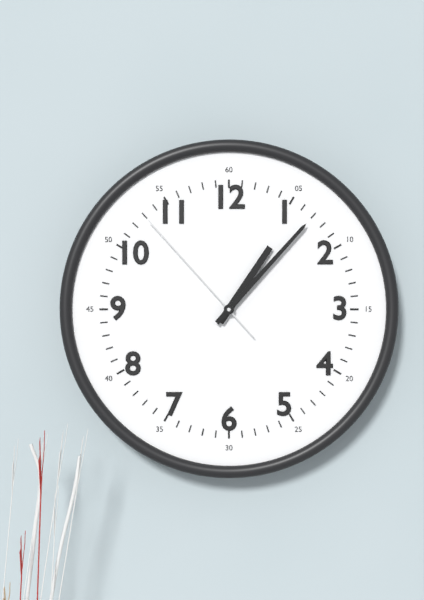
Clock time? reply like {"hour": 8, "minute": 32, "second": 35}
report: {"hour": 1, "minute": 7, "second": 53}
